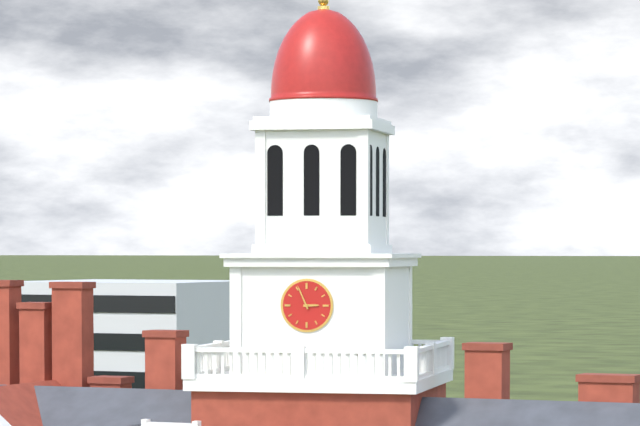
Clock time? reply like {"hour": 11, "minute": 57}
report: {"hour": 2, "minute": 56}
